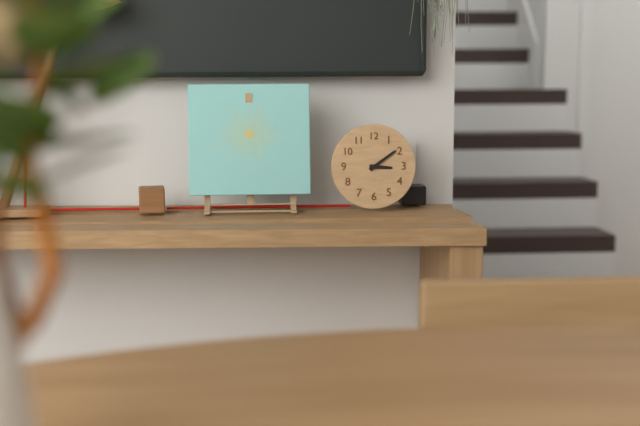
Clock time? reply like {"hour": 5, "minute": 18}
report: {"hour": 3, "minute": 9}
